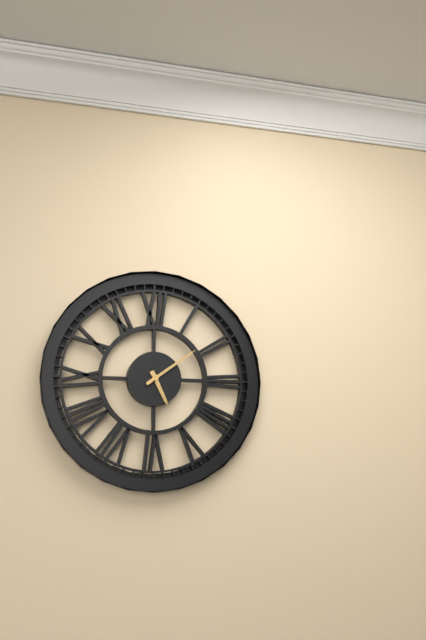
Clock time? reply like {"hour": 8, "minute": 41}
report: {"hour": 5, "minute": 9}
